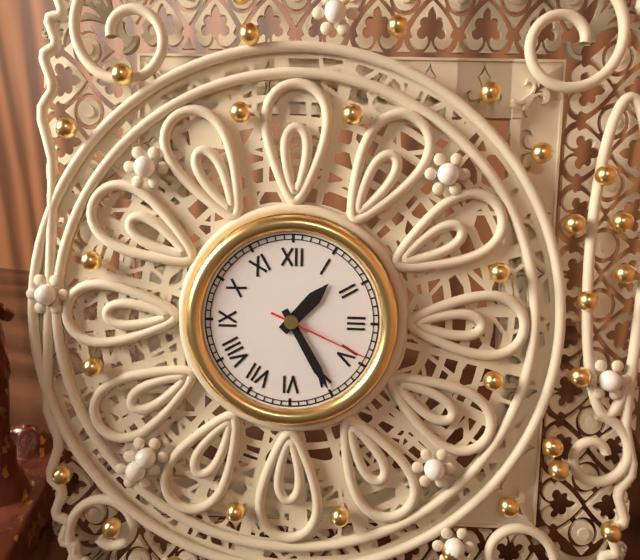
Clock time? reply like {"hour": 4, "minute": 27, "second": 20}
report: {"hour": 1, "minute": 25, "second": 19}
